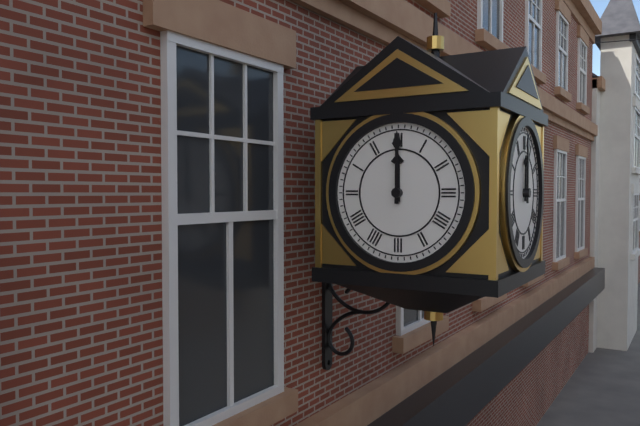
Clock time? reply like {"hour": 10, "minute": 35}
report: {"hour": 12, "minute": 0}
